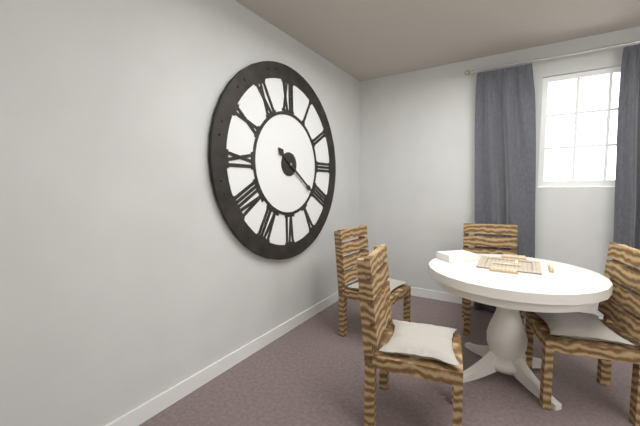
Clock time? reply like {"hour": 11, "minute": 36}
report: {"hour": 10, "minute": 21}
